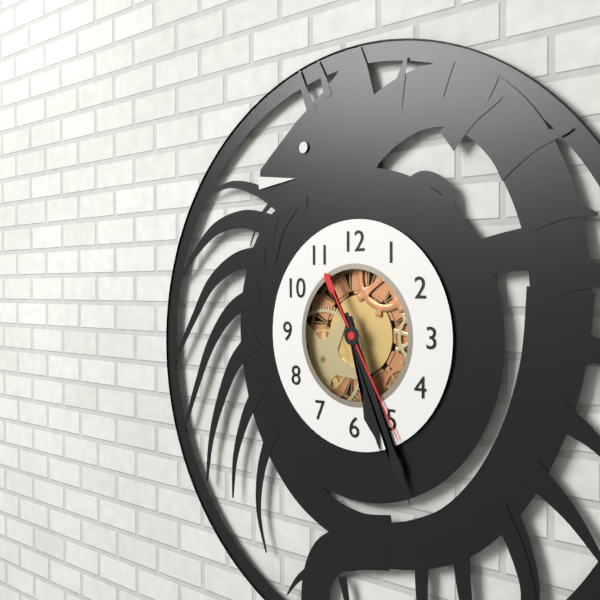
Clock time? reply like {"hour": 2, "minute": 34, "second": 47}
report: {"hour": 5, "minute": 26, "second": 25}
